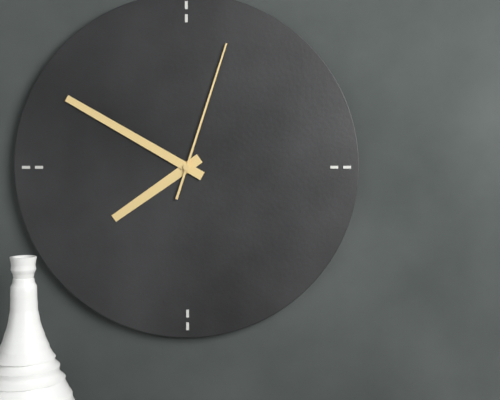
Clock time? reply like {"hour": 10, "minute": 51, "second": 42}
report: {"hour": 7, "minute": 50, "second": 3}
